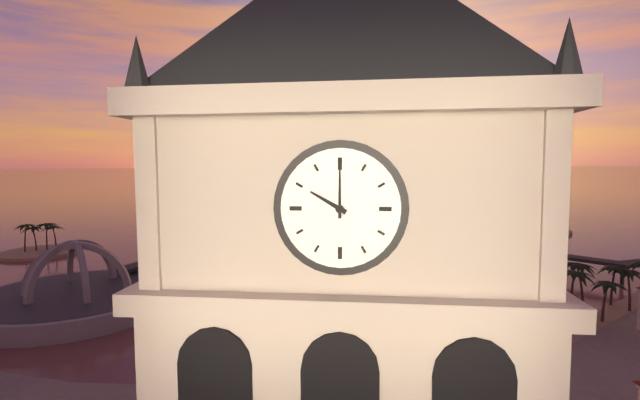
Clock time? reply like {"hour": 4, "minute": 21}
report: {"hour": 10, "minute": 0}
